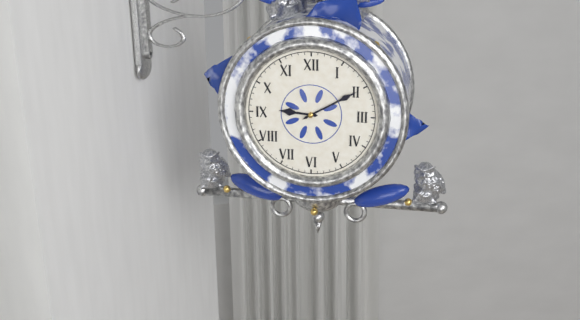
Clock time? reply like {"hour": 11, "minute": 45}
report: {"hour": 9, "minute": 10}
